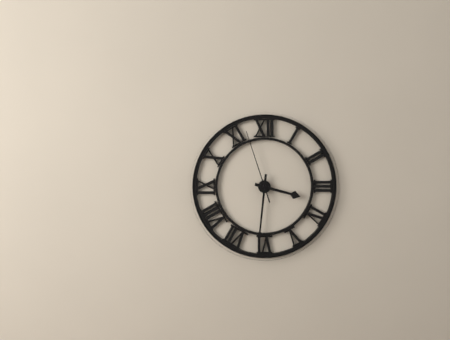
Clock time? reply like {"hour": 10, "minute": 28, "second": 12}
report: {"hour": 3, "minute": 31, "second": 57}
